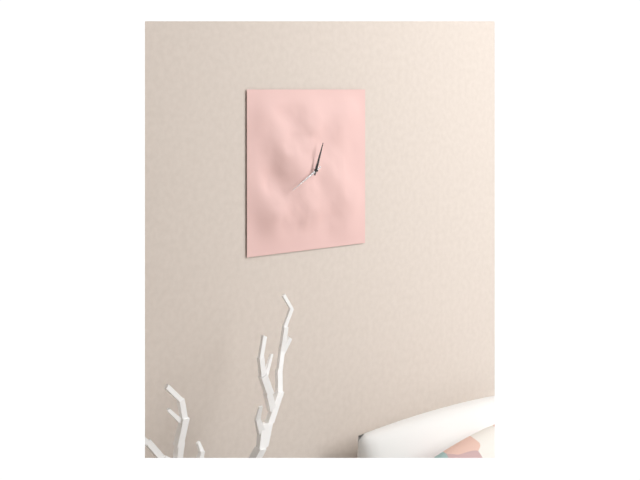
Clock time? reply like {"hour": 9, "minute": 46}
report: {"hour": 12, "minute": 40}
